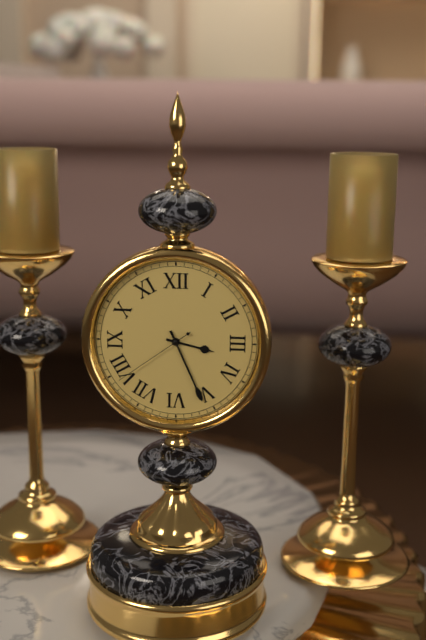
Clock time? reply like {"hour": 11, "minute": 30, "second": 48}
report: {"hour": 3, "minute": 26, "second": 39}
